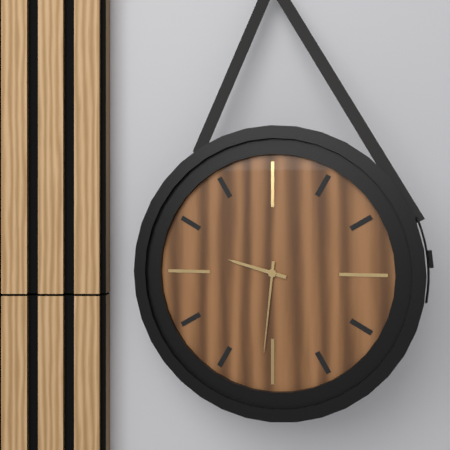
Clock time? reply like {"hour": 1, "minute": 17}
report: {"hour": 9, "minute": 31}
